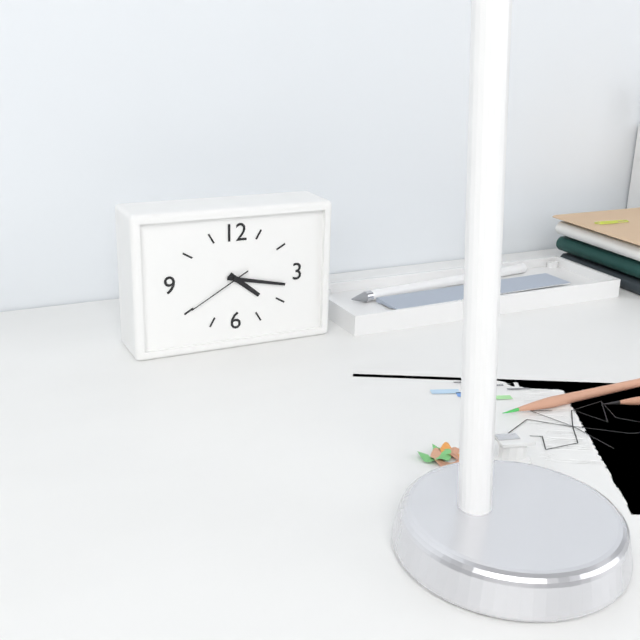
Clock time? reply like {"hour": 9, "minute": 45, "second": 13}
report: {"hour": 4, "minute": 17, "second": 40}
